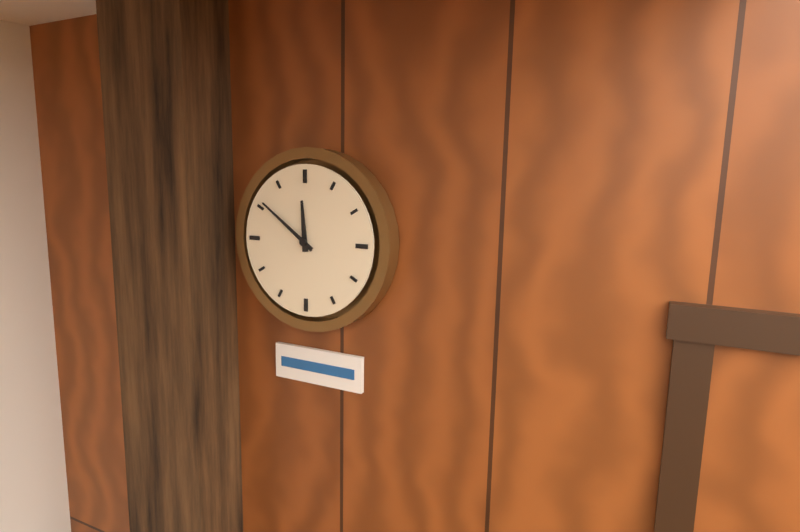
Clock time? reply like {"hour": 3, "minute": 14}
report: {"hour": 11, "minute": 51}
